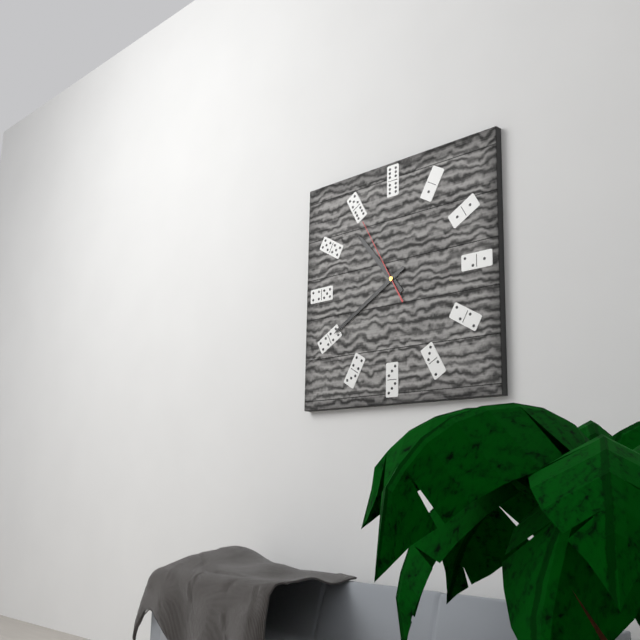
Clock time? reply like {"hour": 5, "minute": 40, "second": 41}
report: {"hour": 10, "minute": 40, "second": 55}
